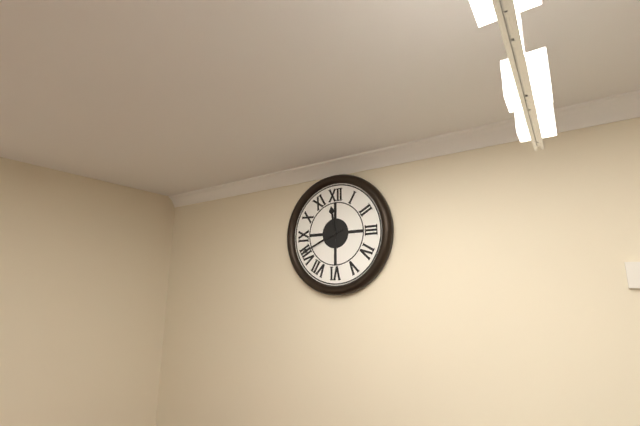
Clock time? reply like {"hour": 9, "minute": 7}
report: {"hour": 11, "minute": 41}
